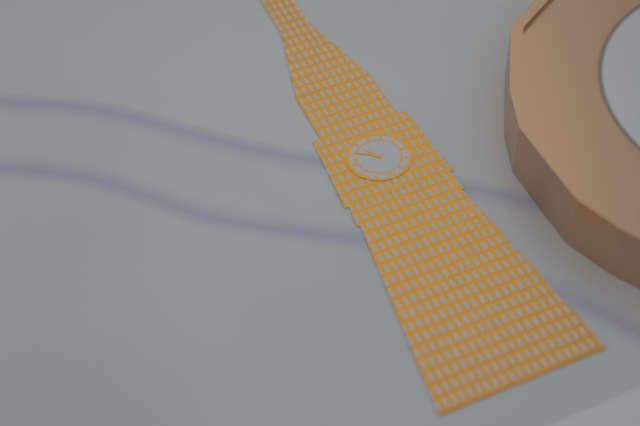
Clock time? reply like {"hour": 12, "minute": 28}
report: {"hour": 10, "minute": 51}
